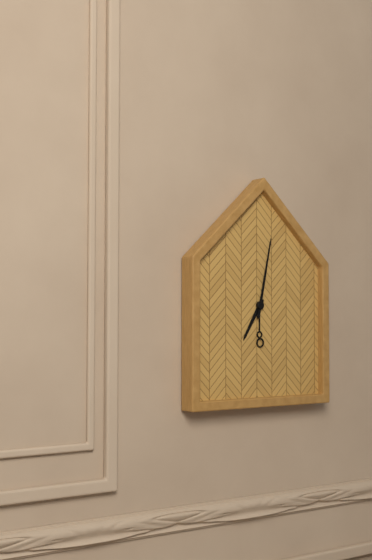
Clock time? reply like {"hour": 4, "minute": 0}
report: {"hour": 7, "minute": 2}
